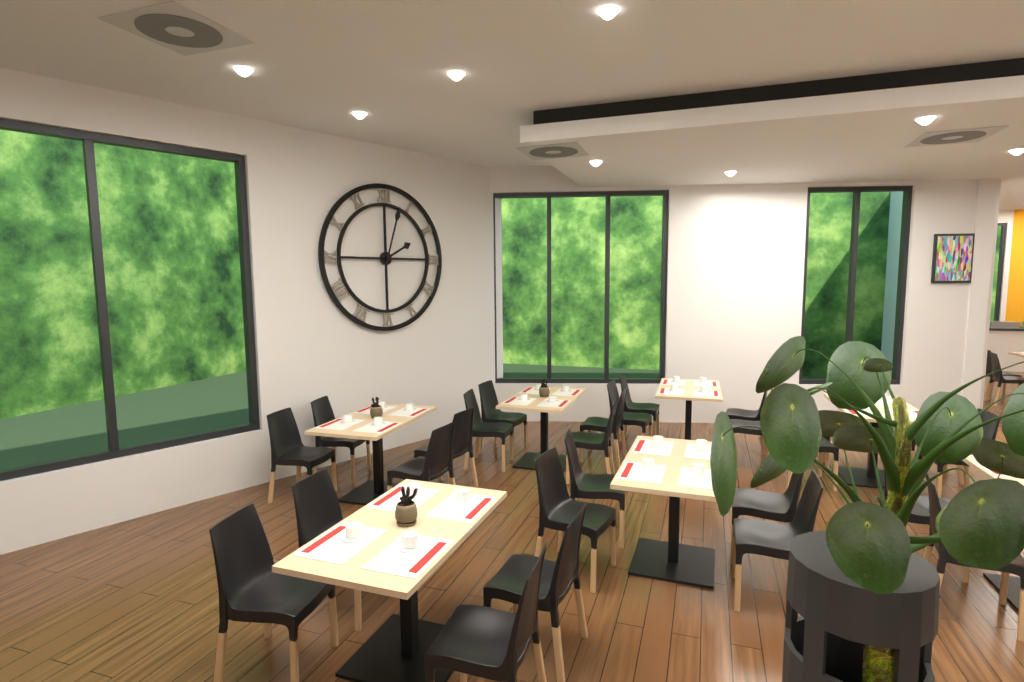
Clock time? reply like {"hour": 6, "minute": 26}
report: {"hour": 2, "minute": 3}
